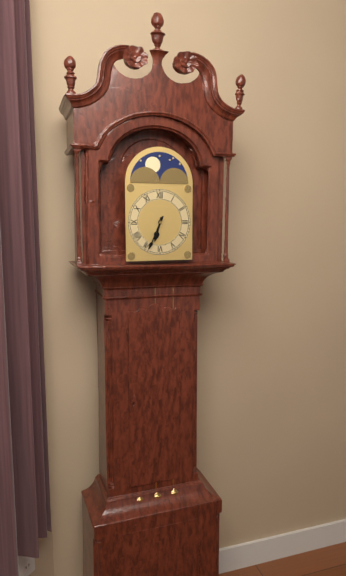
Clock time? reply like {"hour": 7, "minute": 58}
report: {"hour": 6, "minute": 34}
